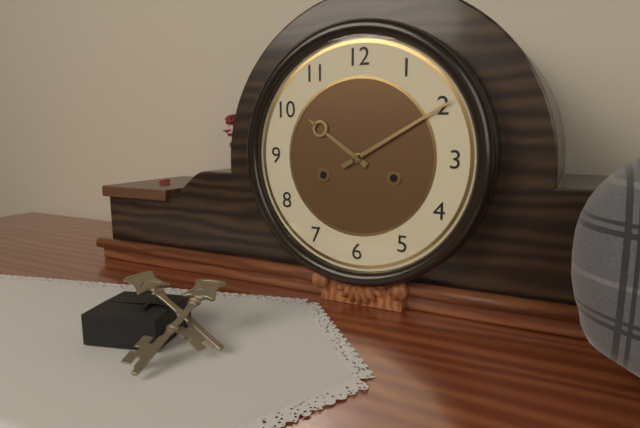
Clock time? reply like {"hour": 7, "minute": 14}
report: {"hour": 10, "minute": 10}
